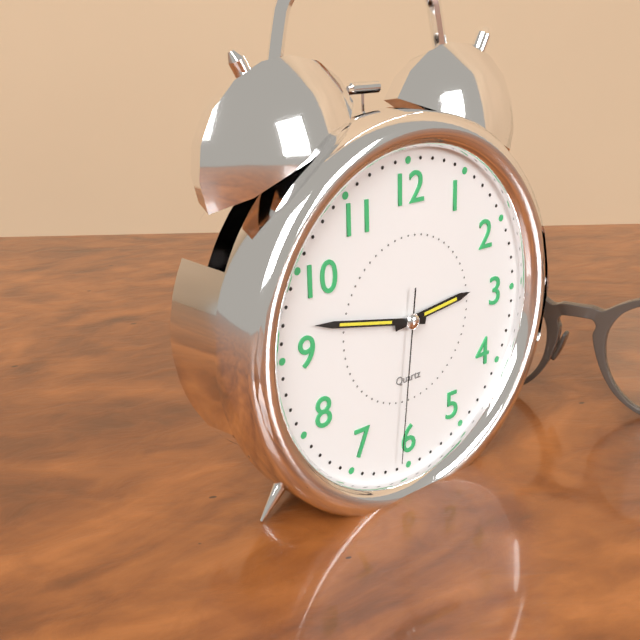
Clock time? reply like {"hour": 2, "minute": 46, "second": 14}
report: {"hour": 2, "minute": 47, "second": 31}
